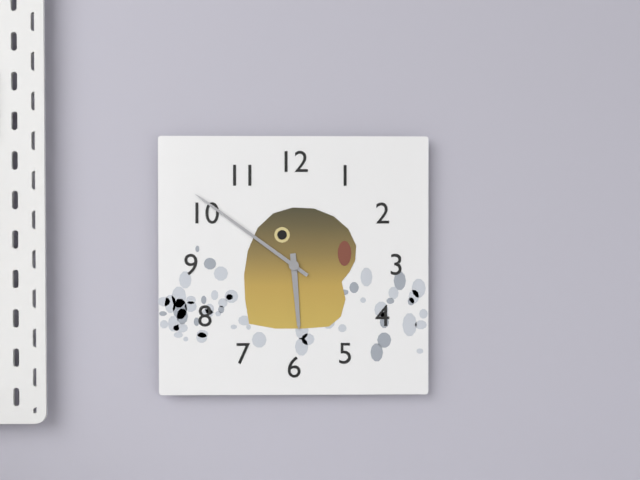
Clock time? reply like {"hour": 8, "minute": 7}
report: {"hour": 5, "minute": 51}
